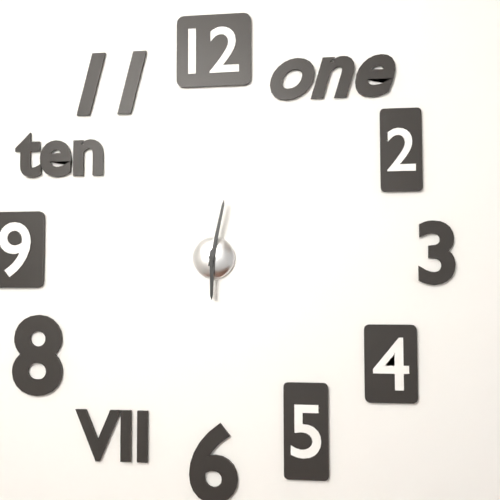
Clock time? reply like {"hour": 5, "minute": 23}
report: {"hour": 6, "minute": 2}
